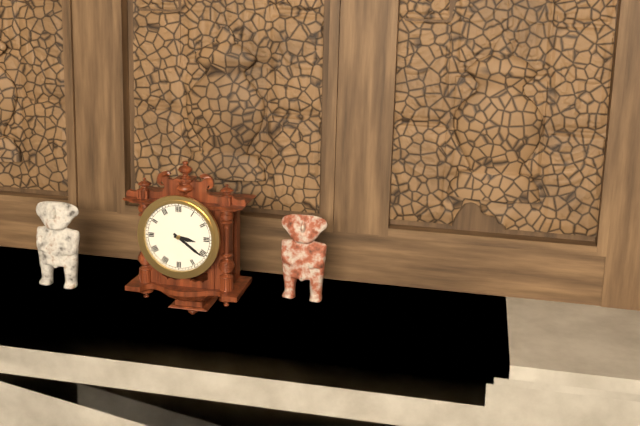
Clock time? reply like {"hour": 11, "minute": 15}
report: {"hour": 3, "minute": 21}
